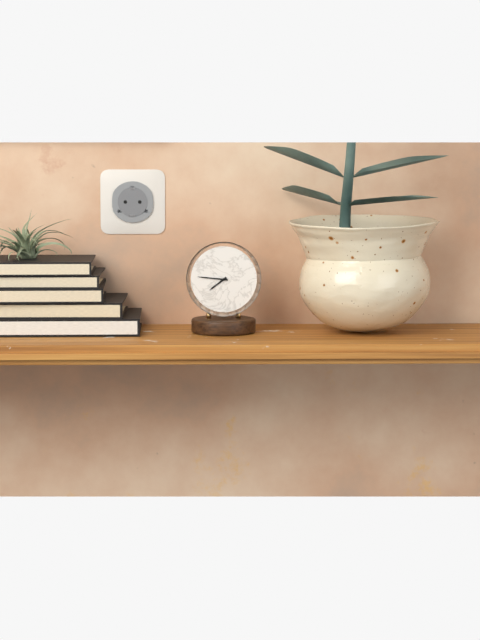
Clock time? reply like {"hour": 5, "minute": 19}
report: {"hour": 7, "minute": 46}
